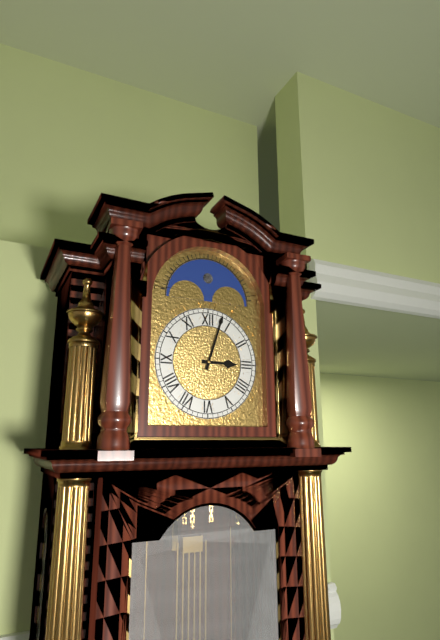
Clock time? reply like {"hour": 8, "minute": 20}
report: {"hour": 3, "minute": 3}
